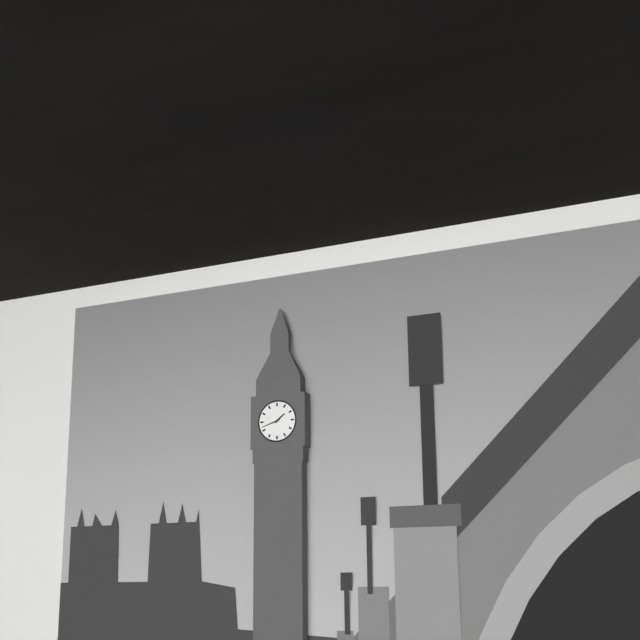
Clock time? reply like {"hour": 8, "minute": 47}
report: {"hour": 1, "minute": 42}
